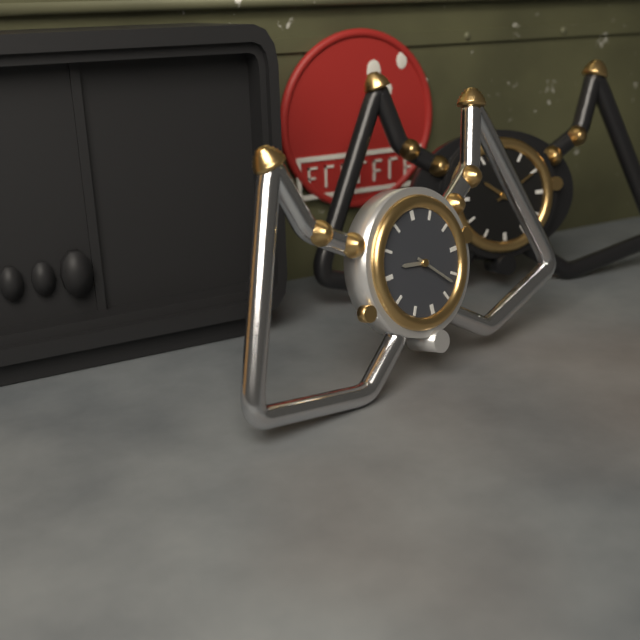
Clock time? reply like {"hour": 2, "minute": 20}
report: {"hour": 9, "minute": 22}
